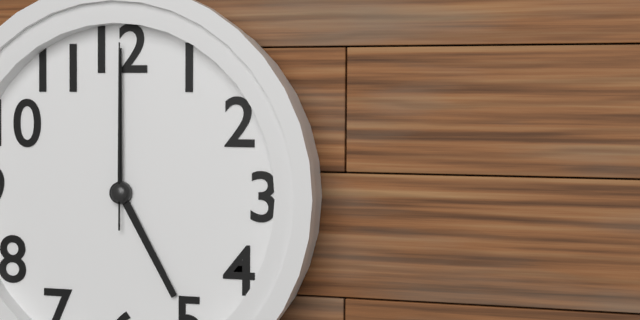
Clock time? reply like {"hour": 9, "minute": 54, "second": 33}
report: {"hour": 5, "minute": 0, "second": 0}
